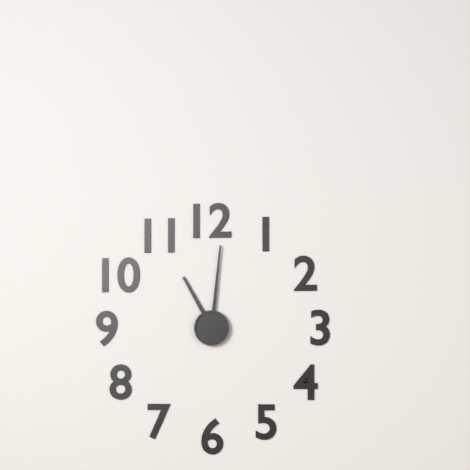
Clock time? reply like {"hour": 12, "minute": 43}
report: {"hour": 11, "minute": 1}
